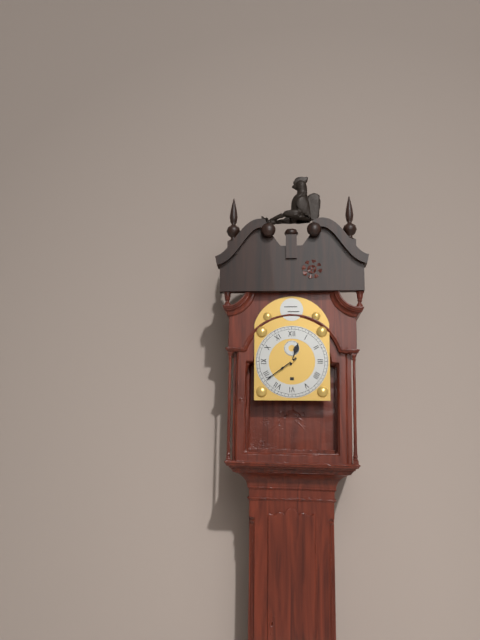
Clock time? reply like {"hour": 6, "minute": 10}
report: {"hour": 12, "minute": 39}
